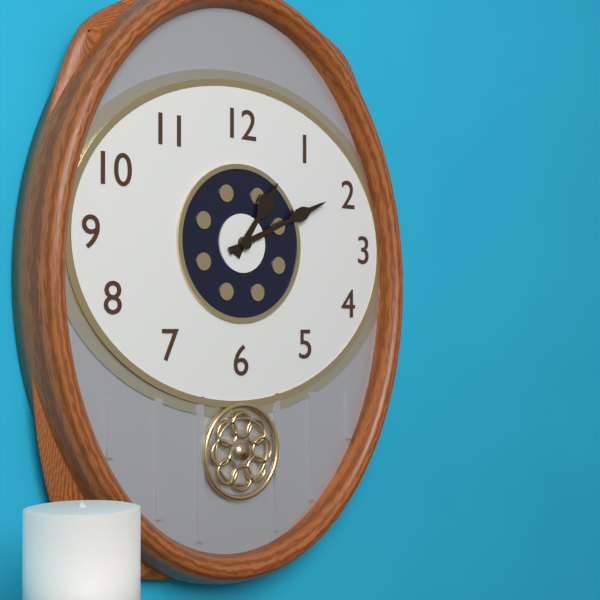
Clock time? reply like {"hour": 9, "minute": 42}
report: {"hour": 1, "minute": 11}
